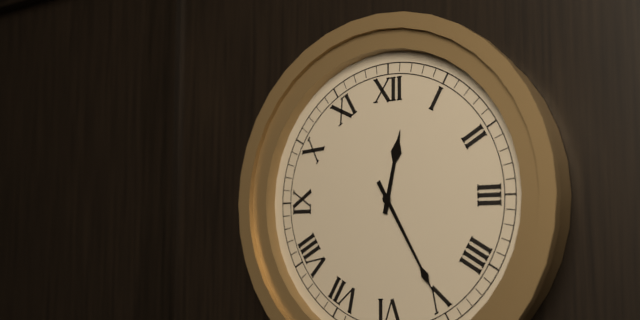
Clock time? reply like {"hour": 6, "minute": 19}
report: {"hour": 12, "minute": 25}
